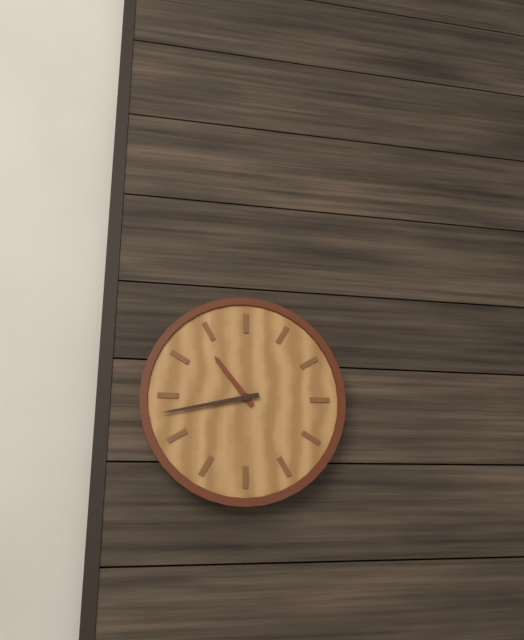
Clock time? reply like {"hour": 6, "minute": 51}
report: {"hour": 10, "minute": 43}
